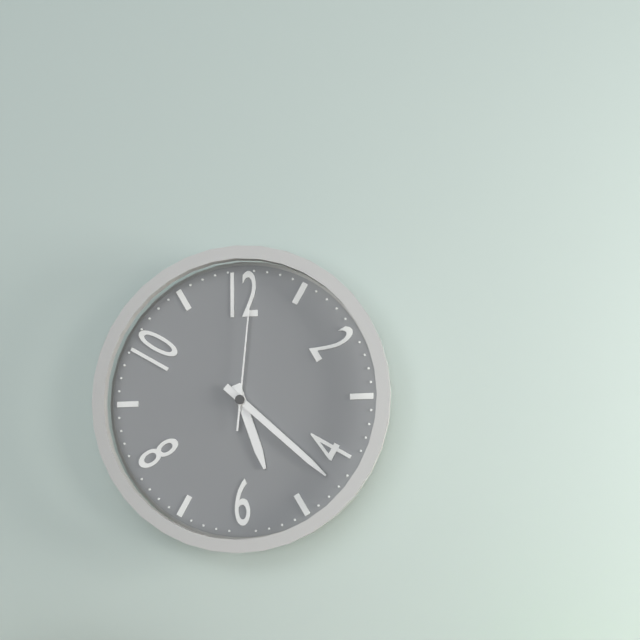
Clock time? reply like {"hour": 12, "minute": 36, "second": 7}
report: {"hour": 5, "minute": 22, "second": 1}
